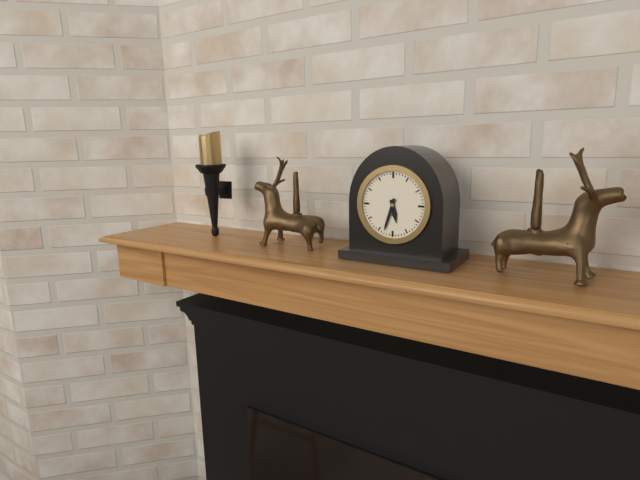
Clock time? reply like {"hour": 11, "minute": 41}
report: {"hour": 5, "minute": 33}
